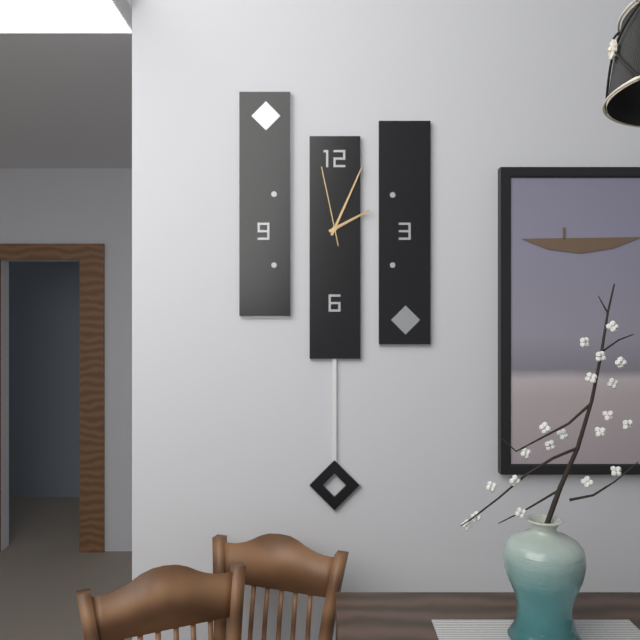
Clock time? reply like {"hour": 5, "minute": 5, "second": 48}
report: {"hour": 2, "minute": 4, "second": 58}
